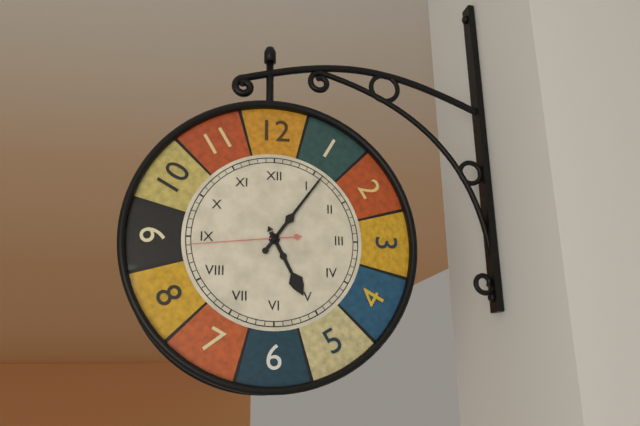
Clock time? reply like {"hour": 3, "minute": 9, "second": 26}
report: {"hour": 5, "minute": 6, "second": 44}
